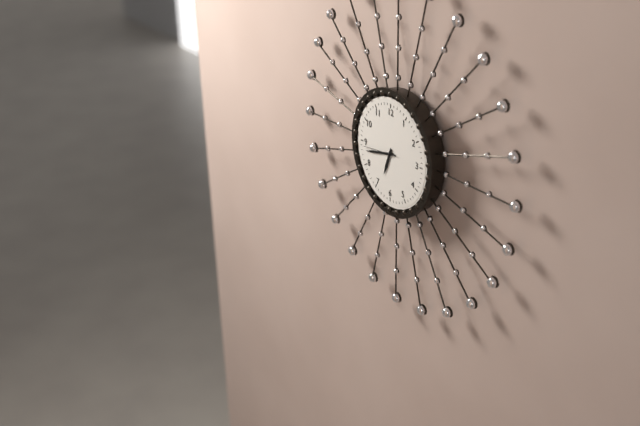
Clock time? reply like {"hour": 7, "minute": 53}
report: {"hour": 6, "minute": 43}
